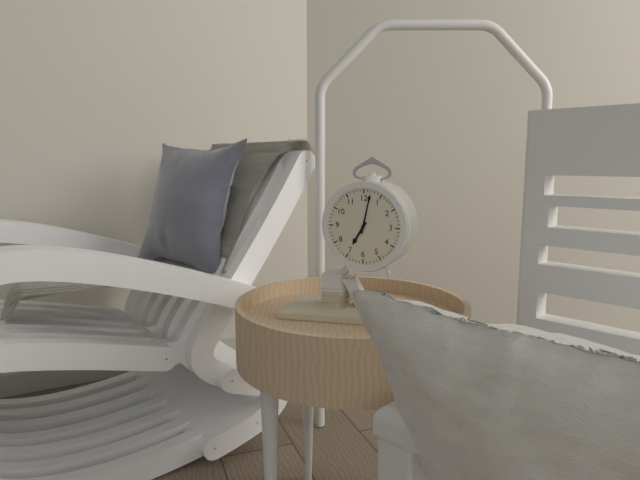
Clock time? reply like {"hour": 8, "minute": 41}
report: {"hour": 7, "minute": 2}
